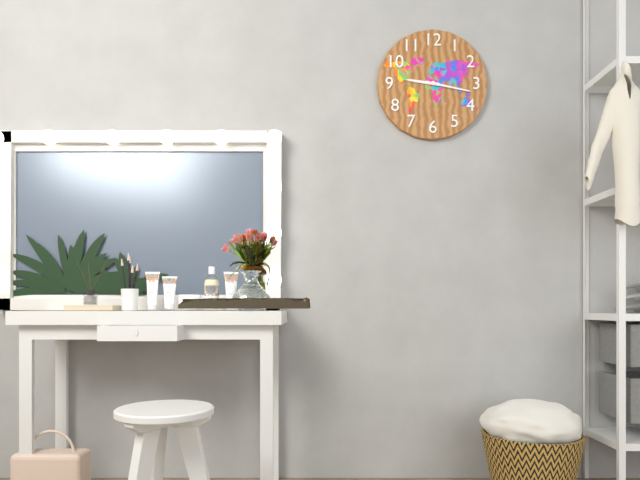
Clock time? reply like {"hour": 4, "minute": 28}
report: {"hour": 9, "minute": 17}
